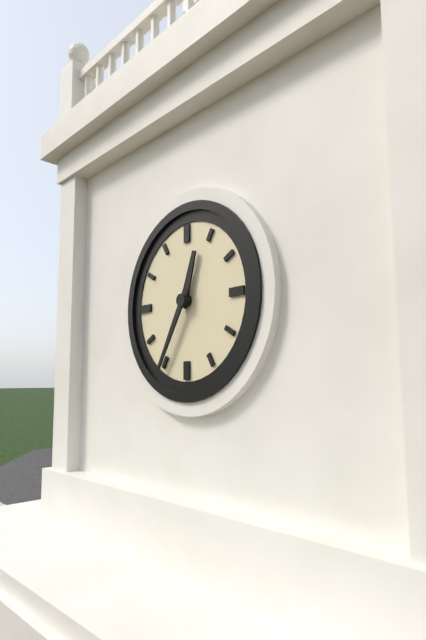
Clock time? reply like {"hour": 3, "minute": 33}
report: {"hour": 12, "minute": 35}
